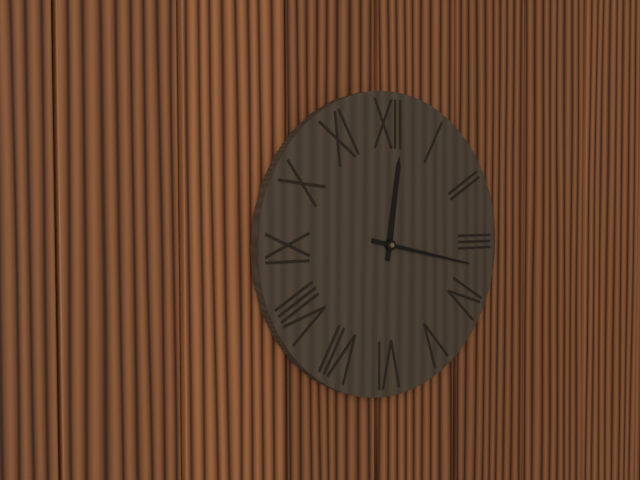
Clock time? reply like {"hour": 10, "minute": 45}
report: {"hour": 12, "minute": 17}
